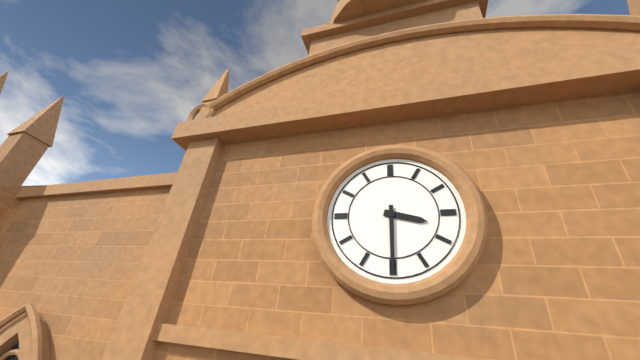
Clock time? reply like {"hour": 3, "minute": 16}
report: {"hour": 3, "minute": 30}
